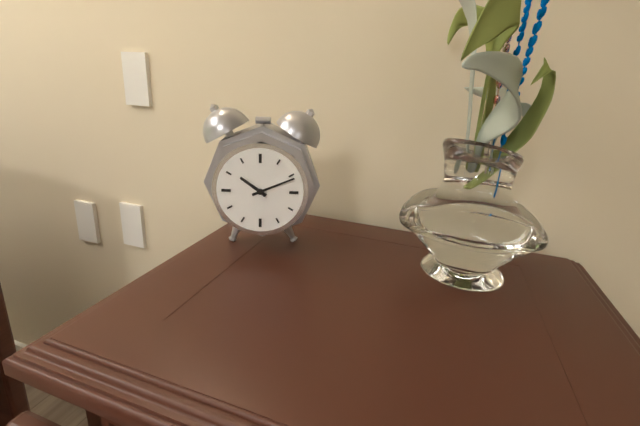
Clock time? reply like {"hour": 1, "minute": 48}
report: {"hour": 10, "minute": 11}
